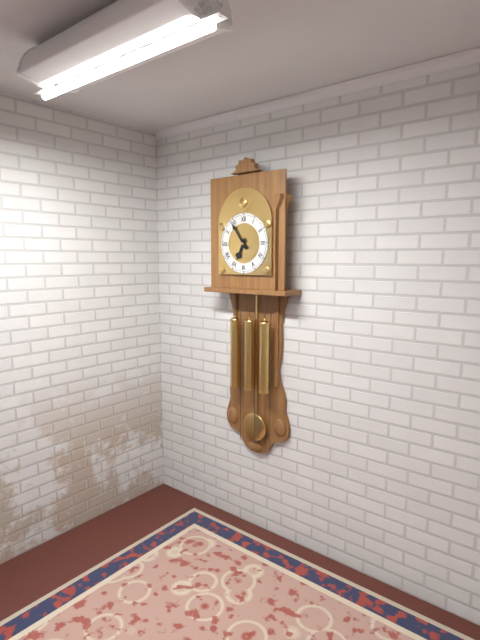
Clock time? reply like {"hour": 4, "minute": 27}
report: {"hour": 6, "minute": 54}
